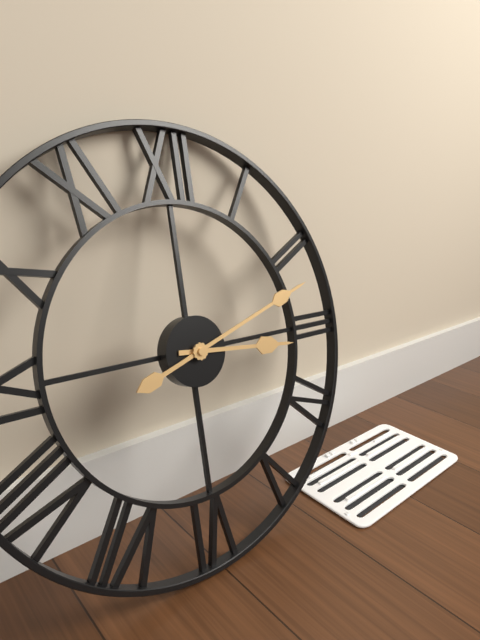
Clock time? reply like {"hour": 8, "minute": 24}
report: {"hour": 3, "minute": 12}
